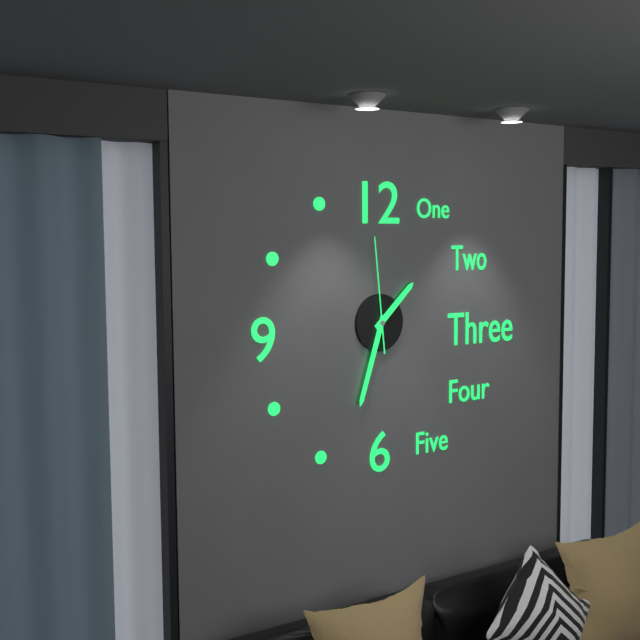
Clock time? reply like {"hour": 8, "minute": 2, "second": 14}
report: {"hour": 1, "minute": 33, "second": 59}
